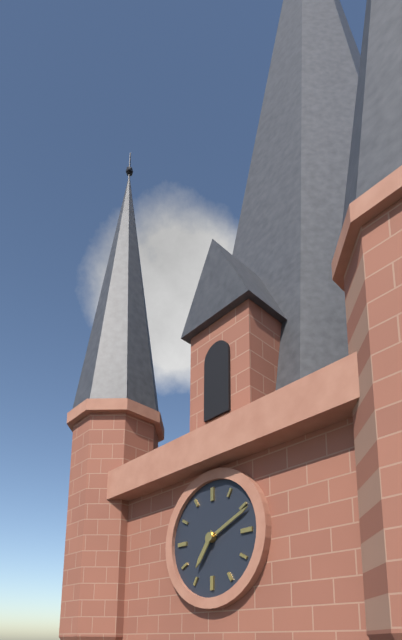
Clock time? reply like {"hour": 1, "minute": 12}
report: {"hour": 7, "minute": 11}
